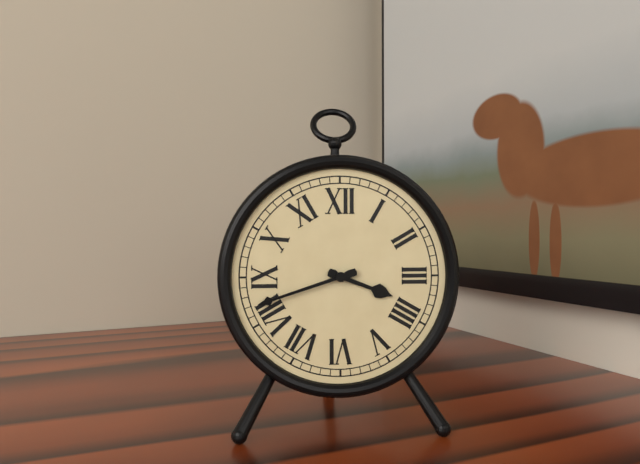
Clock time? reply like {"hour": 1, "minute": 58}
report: {"hour": 3, "minute": 42}
